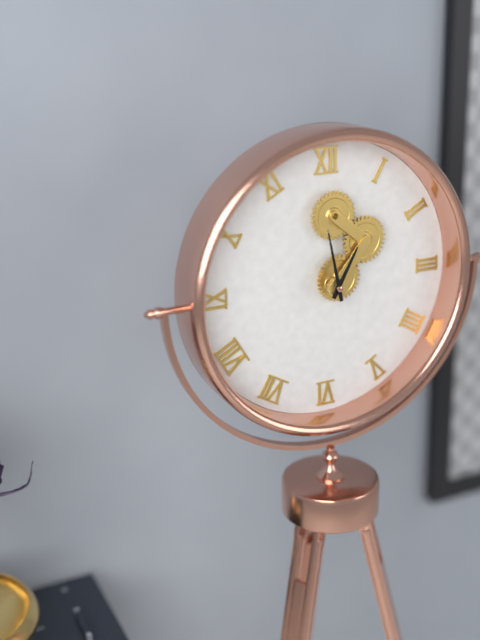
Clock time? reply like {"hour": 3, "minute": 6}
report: {"hour": 12, "minute": 58}
